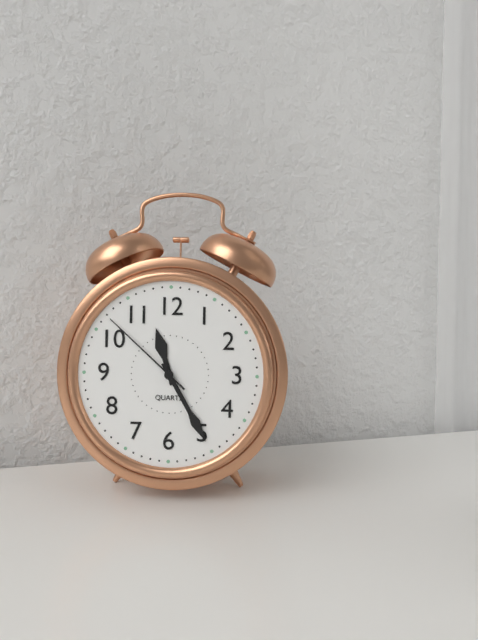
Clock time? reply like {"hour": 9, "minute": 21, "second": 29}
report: {"hour": 11, "minute": 25, "second": 52}
